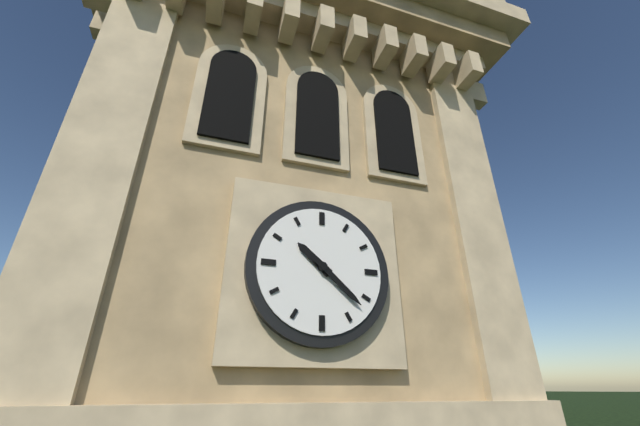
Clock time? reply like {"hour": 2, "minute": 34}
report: {"hour": 10, "minute": 22}
